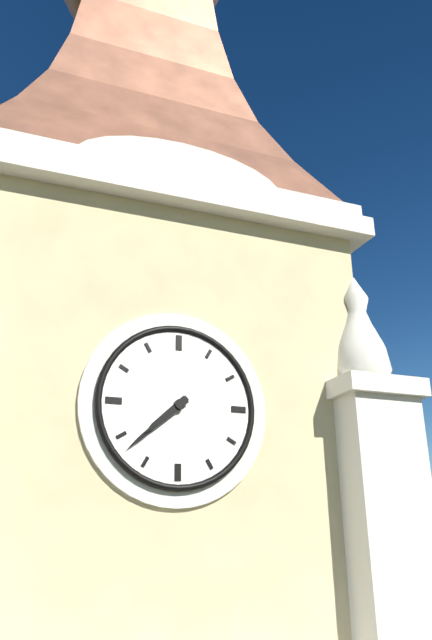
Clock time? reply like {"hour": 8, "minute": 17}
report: {"hour": 7, "minute": 38}
